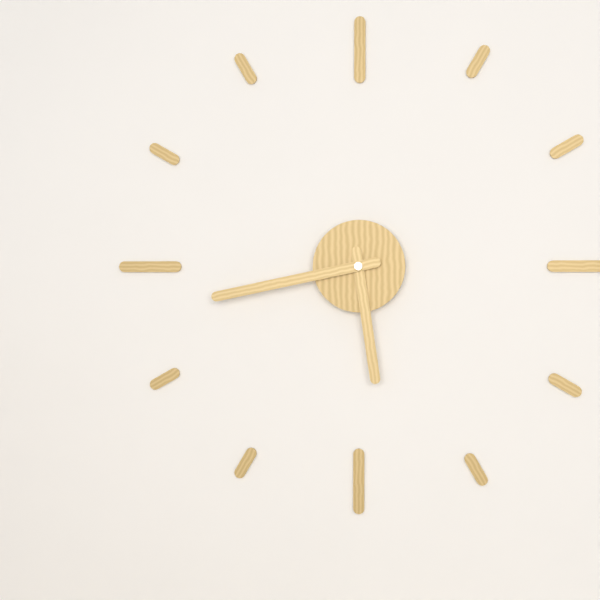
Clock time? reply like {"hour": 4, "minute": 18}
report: {"hour": 5, "minute": 43}
